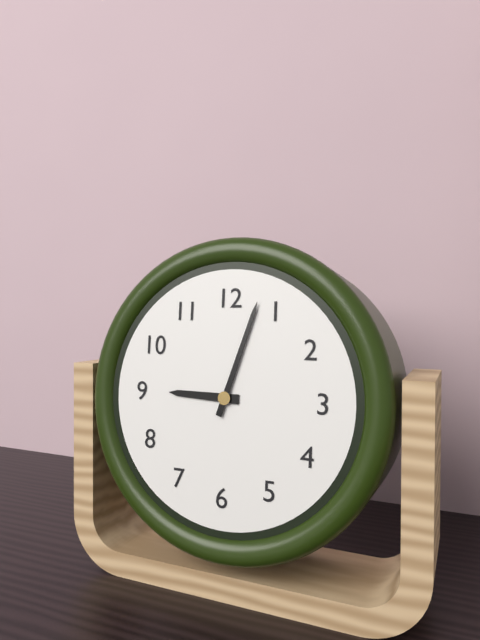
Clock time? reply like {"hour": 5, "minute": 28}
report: {"hour": 9, "minute": 3}
